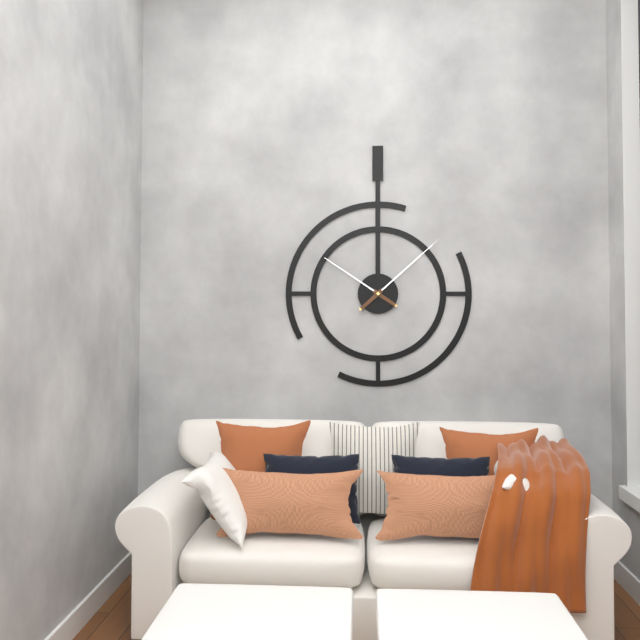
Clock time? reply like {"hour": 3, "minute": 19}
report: {"hour": 10, "minute": 8}
